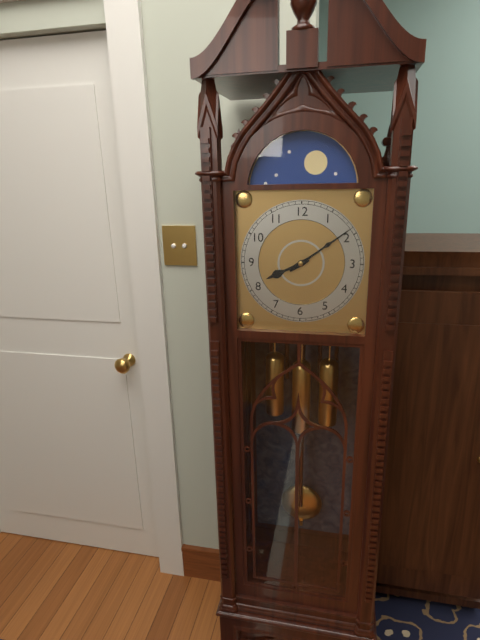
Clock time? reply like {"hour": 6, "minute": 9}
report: {"hour": 8, "minute": 9}
